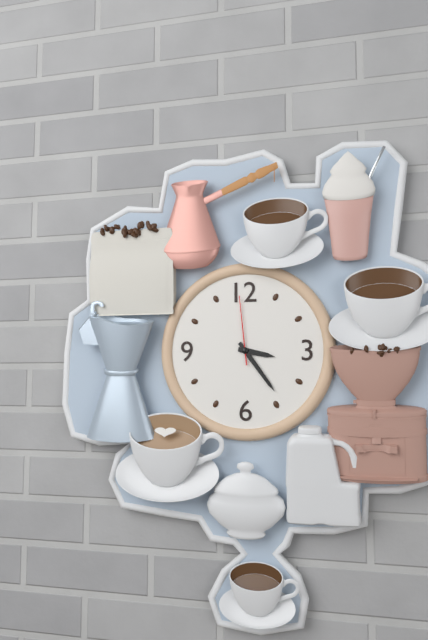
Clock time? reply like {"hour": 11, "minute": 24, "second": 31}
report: {"hour": 3, "minute": 24, "second": 59}
